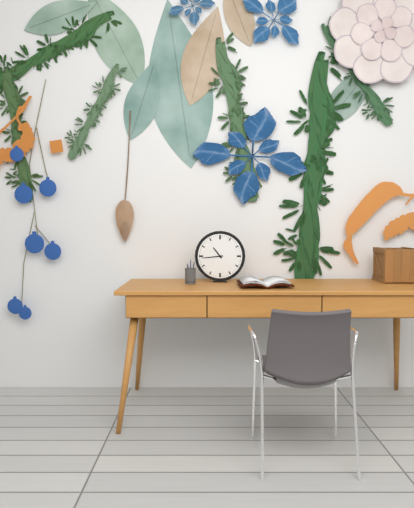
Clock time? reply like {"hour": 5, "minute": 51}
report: {"hour": 10, "minute": 44}
